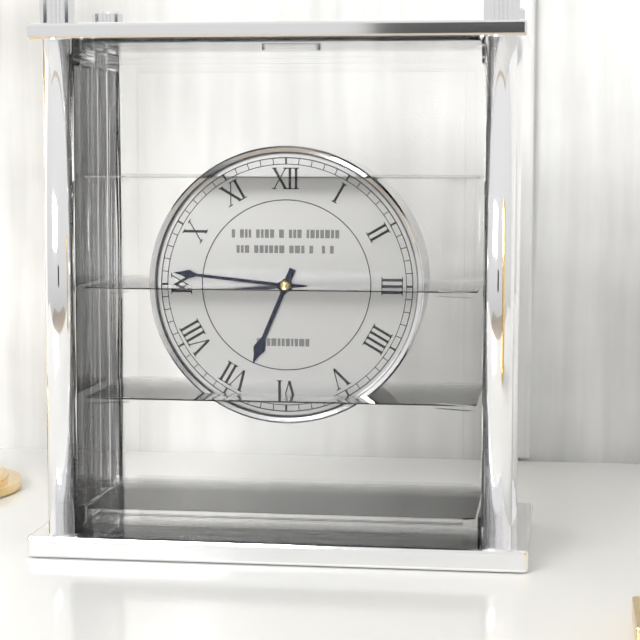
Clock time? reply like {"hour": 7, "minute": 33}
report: {"hour": 6, "minute": 46}
